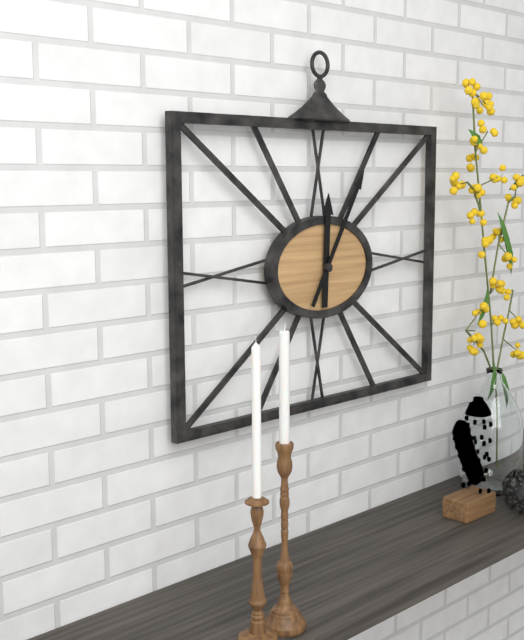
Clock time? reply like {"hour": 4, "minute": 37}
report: {"hour": 12, "minute": 5}
